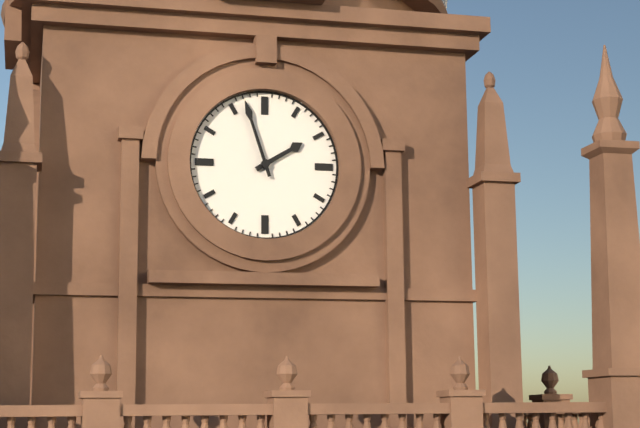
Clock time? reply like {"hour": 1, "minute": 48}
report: {"hour": 1, "minute": 57}
